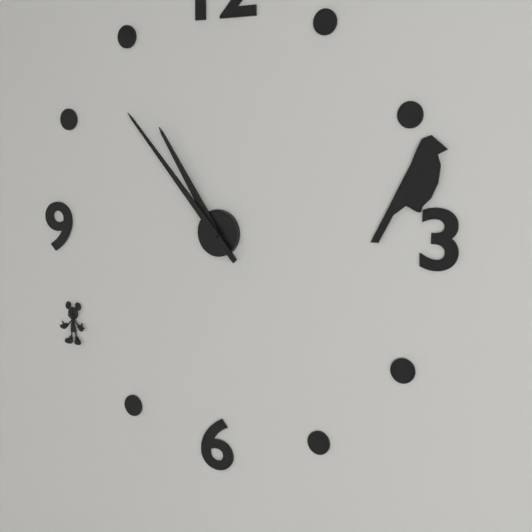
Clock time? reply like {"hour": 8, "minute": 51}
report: {"hour": 10, "minute": 53}
